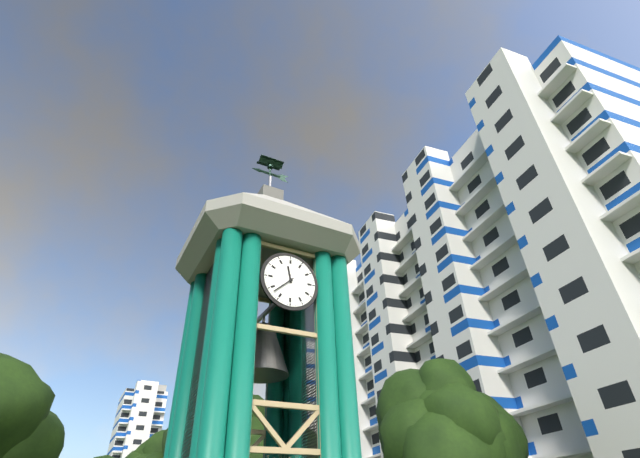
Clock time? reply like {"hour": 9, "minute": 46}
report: {"hour": 11, "minute": 38}
